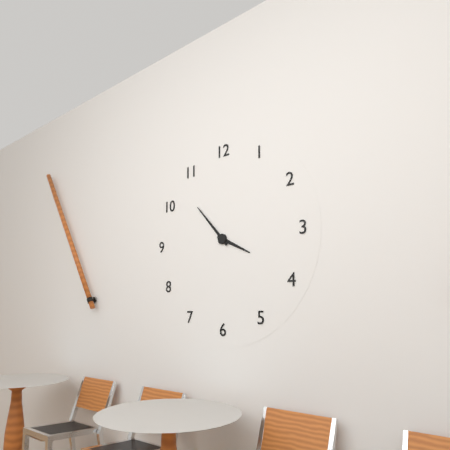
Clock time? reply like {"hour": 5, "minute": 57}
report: {"hour": 3, "minute": 53}
